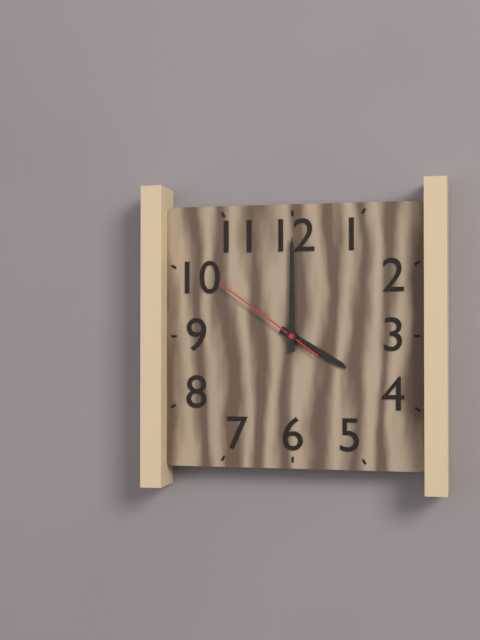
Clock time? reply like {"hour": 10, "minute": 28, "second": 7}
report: {"hour": 4, "minute": 0, "second": 51}
